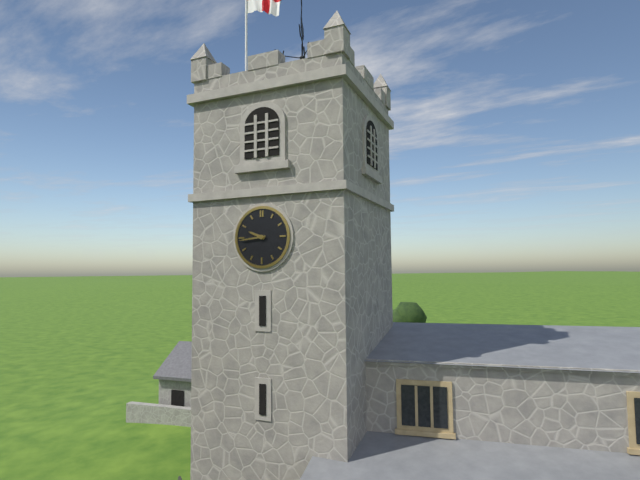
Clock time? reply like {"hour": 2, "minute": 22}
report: {"hour": 9, "minute": 44}
